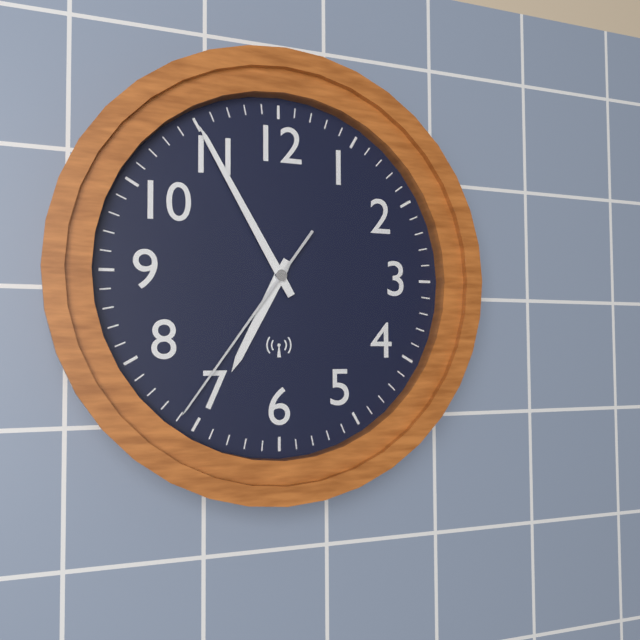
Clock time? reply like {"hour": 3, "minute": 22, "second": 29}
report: {"hour": 6, "minute": 55, "second": 36}
